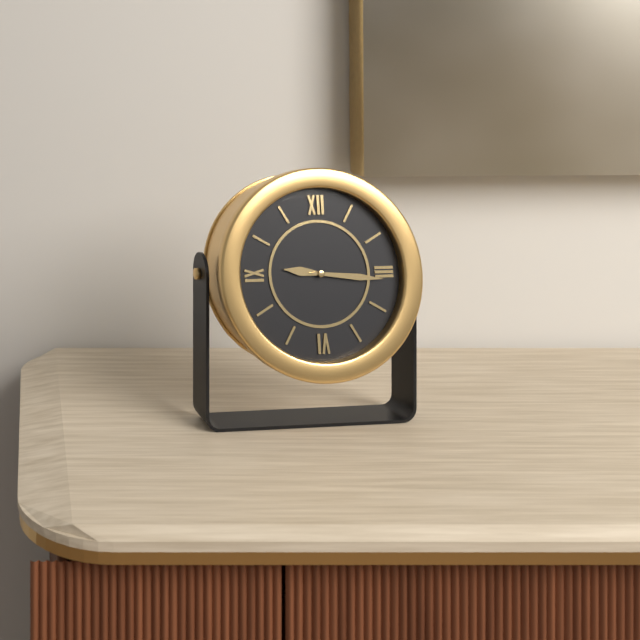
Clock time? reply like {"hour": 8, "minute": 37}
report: {"hour": 9, "minute": 16}
